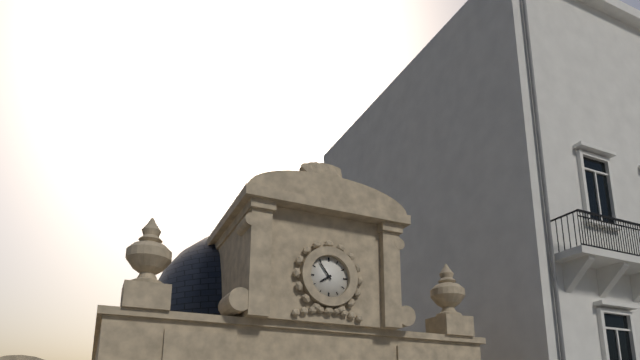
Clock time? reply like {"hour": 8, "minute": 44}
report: {"hour": 7, "minute": 54}
